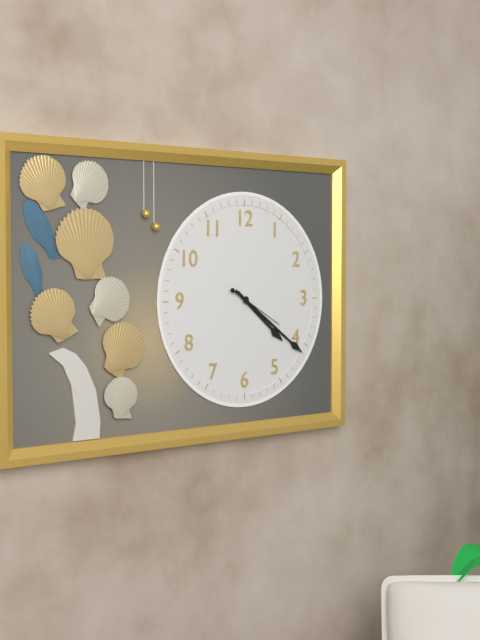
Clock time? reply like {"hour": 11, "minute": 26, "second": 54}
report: {"hour": 4, "minute": 21, "second": 20}
